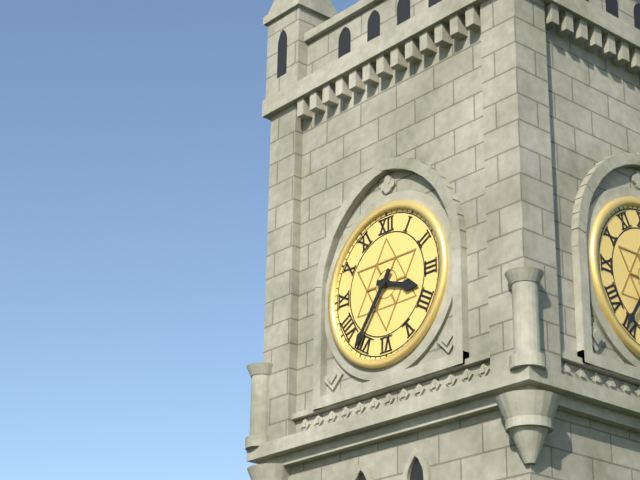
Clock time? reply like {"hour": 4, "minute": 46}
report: {"hour": 3, "minute": 36}
